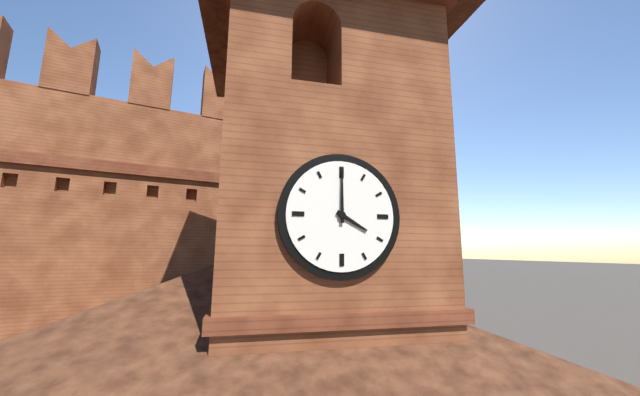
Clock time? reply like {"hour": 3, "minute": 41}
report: {"hour": 4, "minute": 0}
